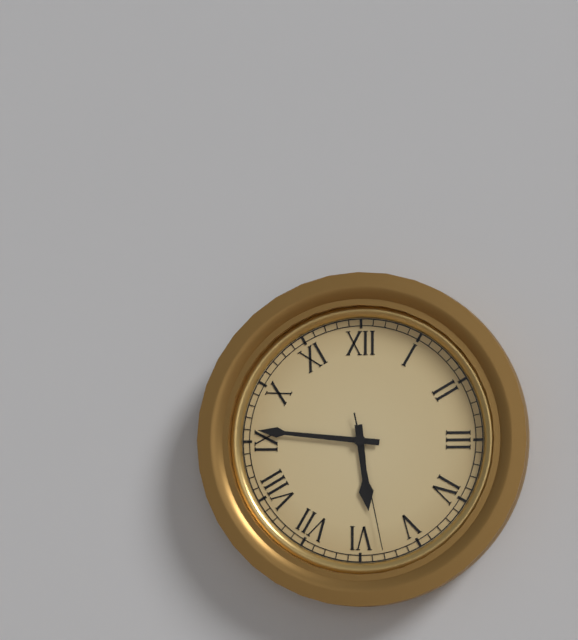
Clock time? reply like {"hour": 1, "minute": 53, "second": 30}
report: {"hour": 5, "minute": 46, "second": 28}
